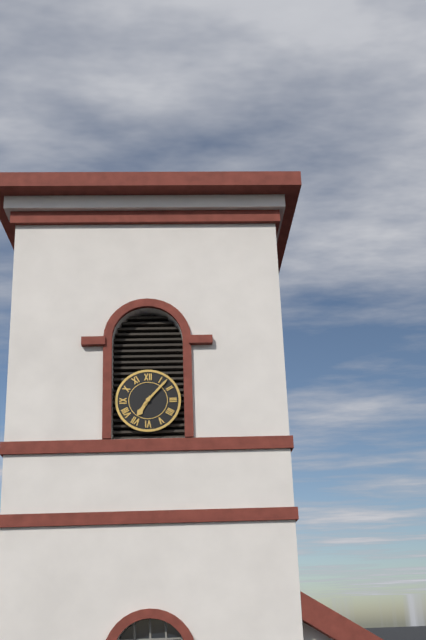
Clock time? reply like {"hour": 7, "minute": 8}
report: {"hour": 7, "minute": 7}
